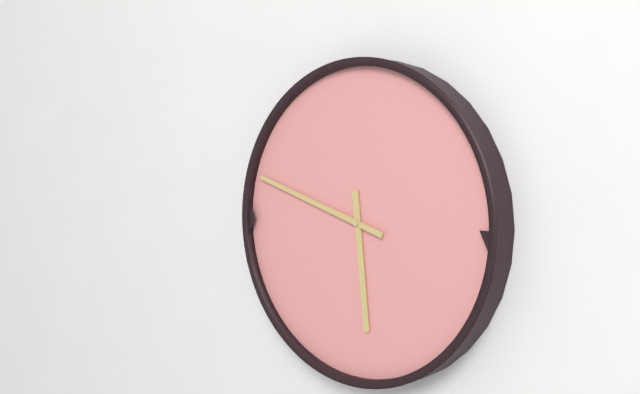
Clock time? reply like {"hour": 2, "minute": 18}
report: {"hour": 5, "minute": 48}
